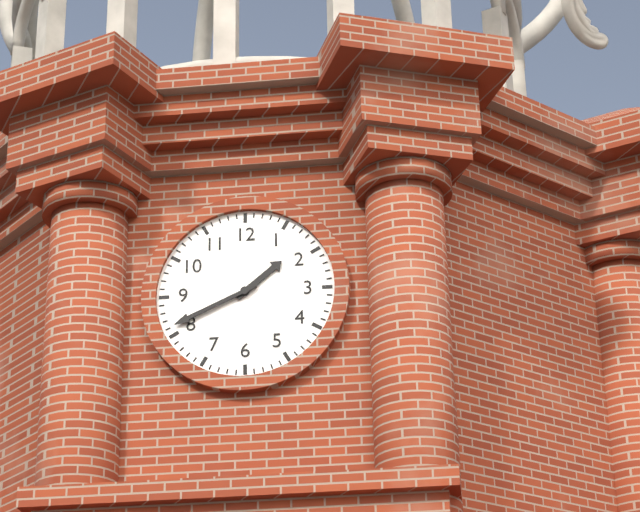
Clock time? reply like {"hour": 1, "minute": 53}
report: {"hour": 1, "minute": 41}
